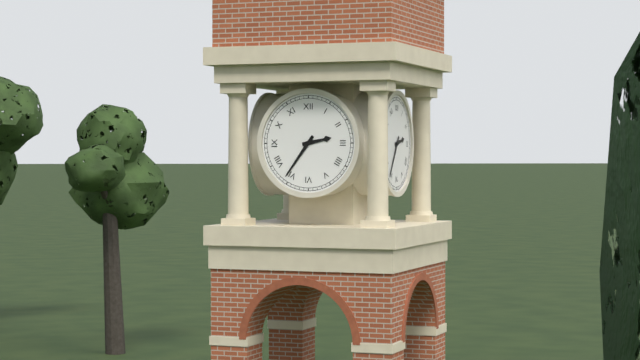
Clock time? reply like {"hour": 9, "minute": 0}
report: {"hour": 2, "minute": 36}
